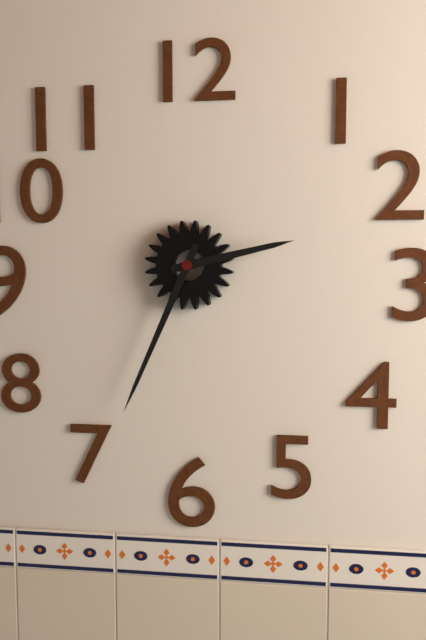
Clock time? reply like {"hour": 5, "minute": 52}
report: {"hour": 2, "minute": 34}
